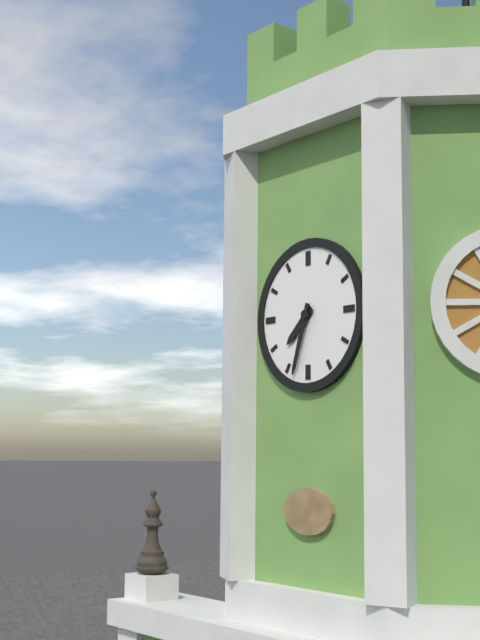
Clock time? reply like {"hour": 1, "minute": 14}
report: {"hour": 7, "minute": 33}
